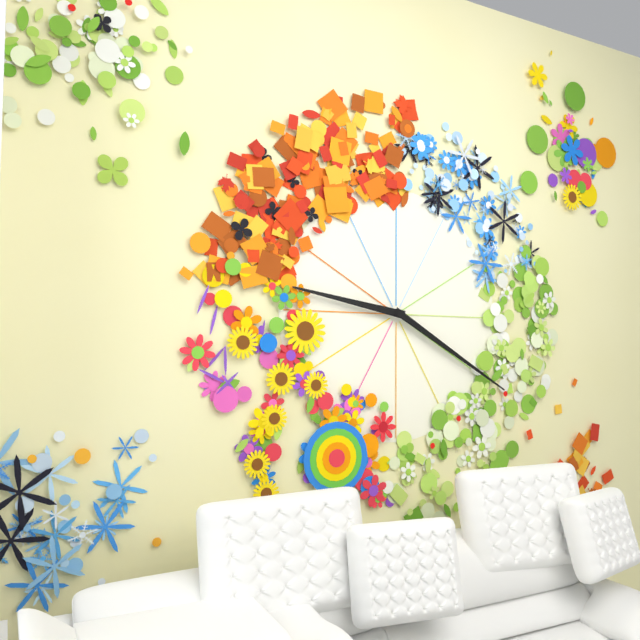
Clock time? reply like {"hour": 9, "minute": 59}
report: {"hour": 9, "minute": 20}
